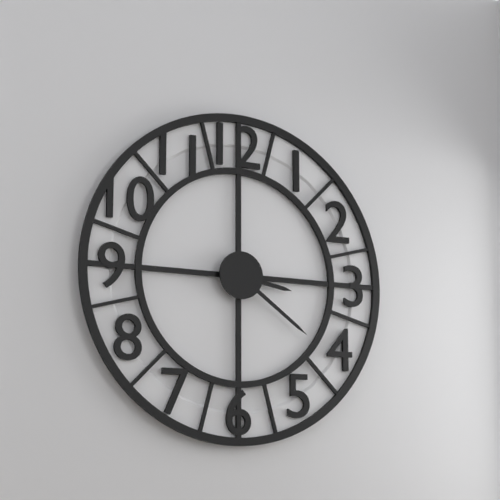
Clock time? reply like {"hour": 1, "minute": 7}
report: {"hour": 3, "minute": 21}
